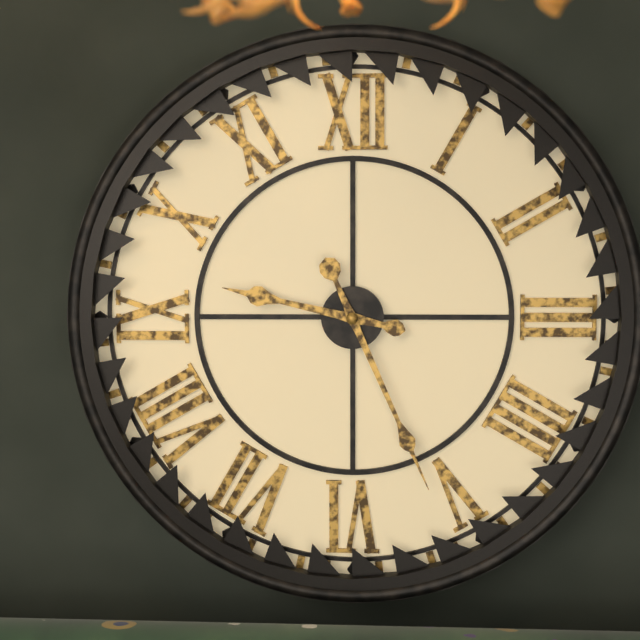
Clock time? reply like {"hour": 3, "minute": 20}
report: {"hour": 9, "minute": 26}
